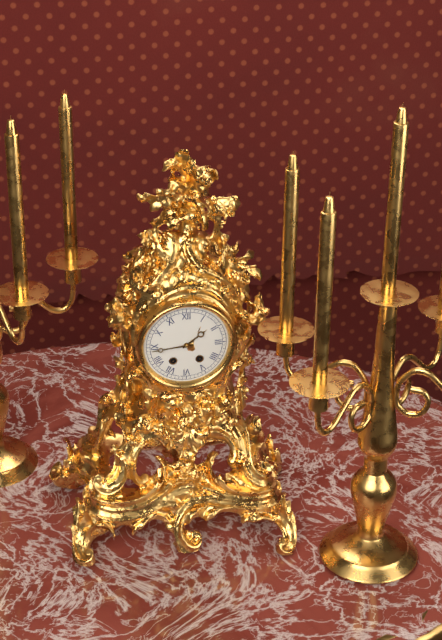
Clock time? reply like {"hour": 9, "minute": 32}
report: {"hour": 1, "minute": 44}
